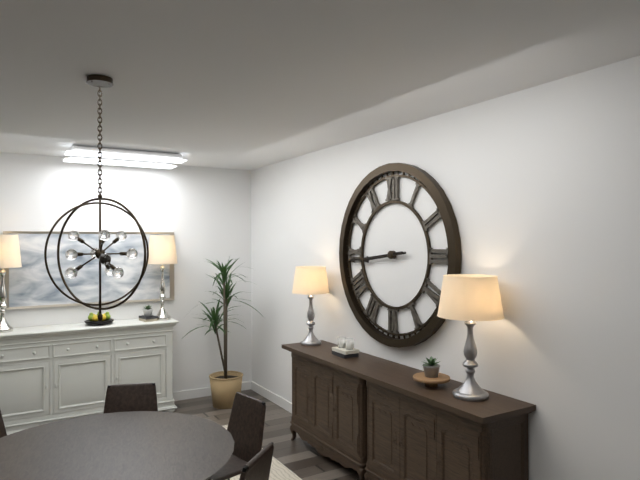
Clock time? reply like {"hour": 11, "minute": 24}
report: {"hour": 8, "minute": 44}
